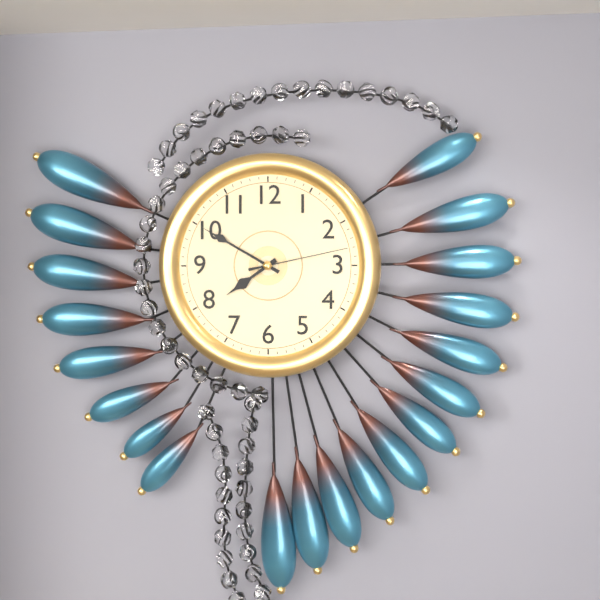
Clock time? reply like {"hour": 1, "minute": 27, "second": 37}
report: {"hour": 7, "minute": 50, "second": 13}
